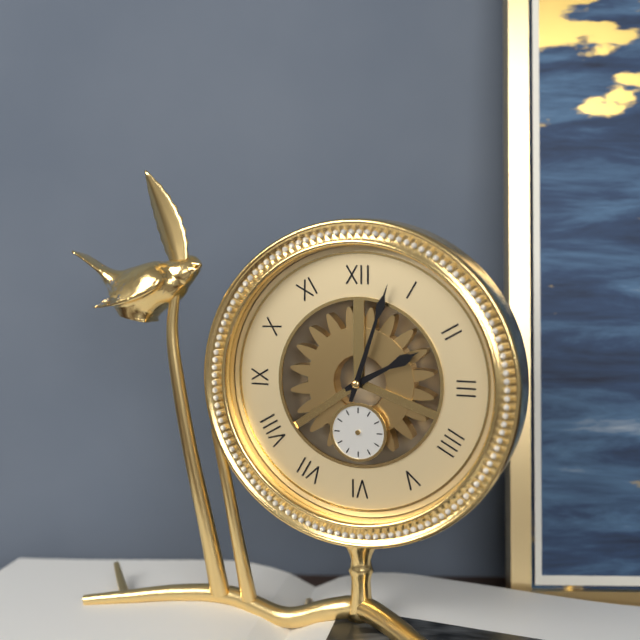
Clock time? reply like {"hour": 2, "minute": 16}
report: {"hour": 2, "minute": 3}
